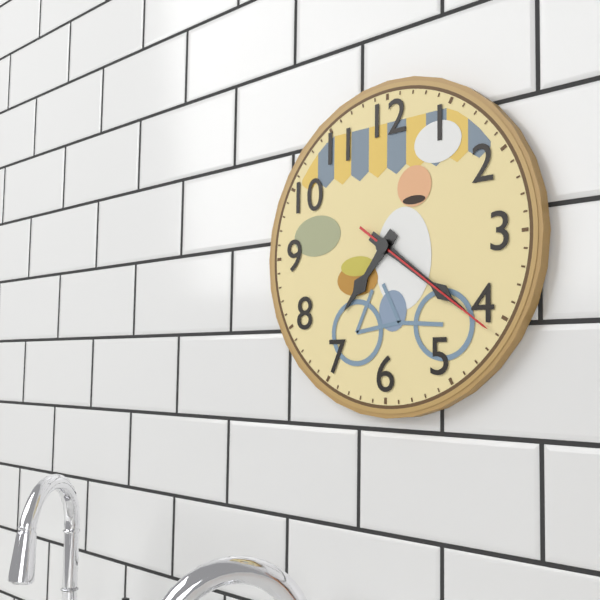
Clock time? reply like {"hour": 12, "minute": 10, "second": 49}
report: {"hour": 7, "minute": 21, "second": 21}
